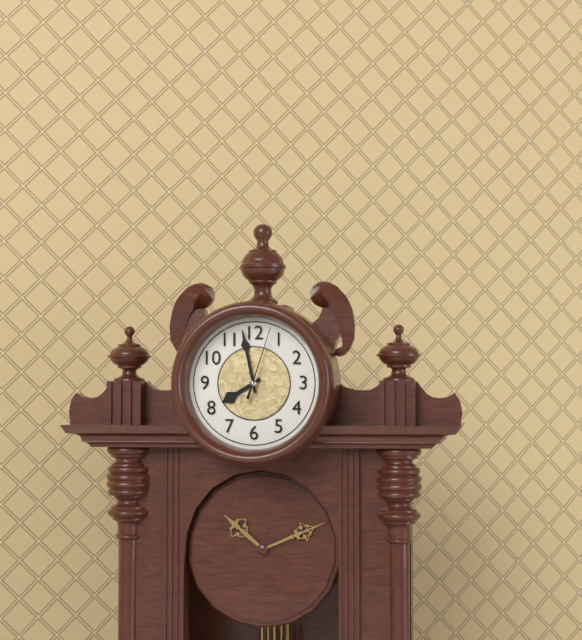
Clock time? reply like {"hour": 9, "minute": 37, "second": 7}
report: {"hour": 7, "minute": 58, "second": 3}
